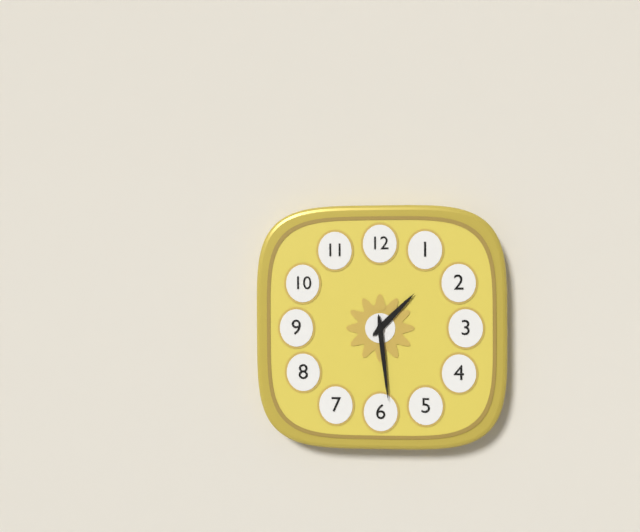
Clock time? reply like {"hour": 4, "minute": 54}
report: {"hour": 1, "minute": 29}
